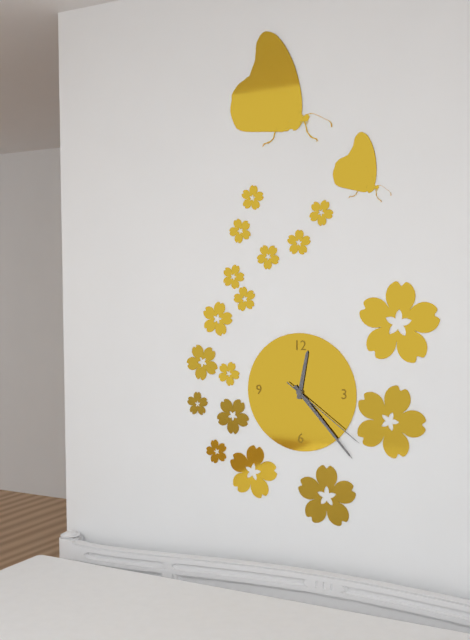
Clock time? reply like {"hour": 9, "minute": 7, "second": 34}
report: {"hour": 12, "minute": 23, "second": 21}
